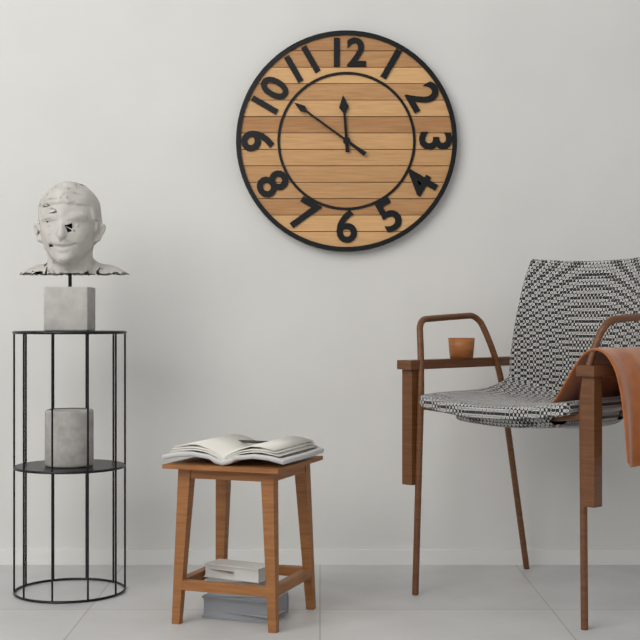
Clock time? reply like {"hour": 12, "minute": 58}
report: {"hour": 11, "minute": 51}
